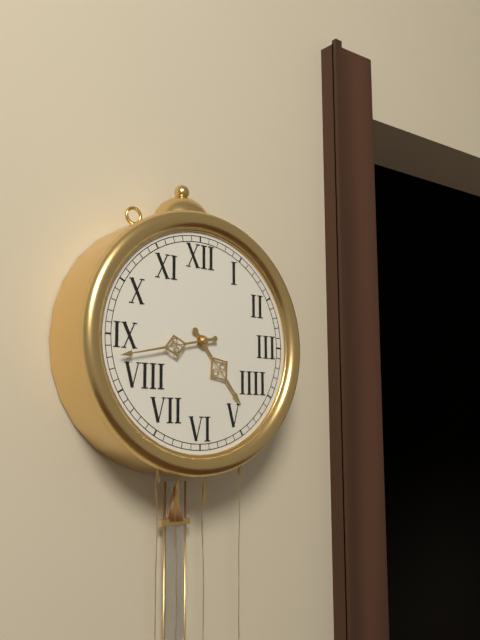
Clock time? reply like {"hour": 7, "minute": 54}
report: {"hour": 4, "minute": 43}
